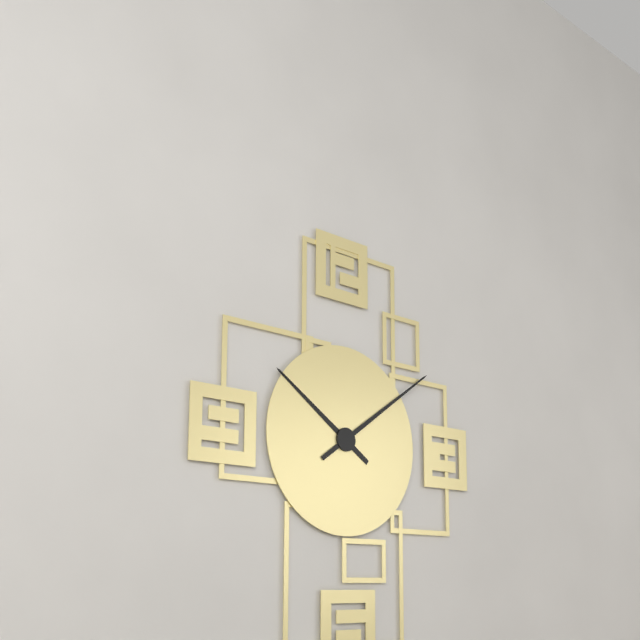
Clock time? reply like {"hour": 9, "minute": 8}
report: {"hour": 10, "minute": 9}
